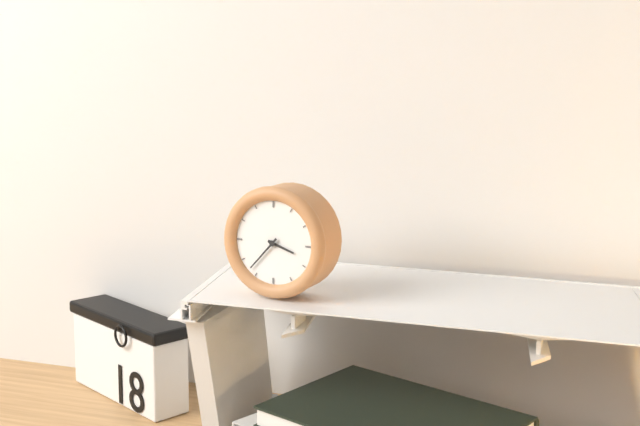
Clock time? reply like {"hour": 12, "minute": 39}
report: {"hour": 3, "minute": 37}
